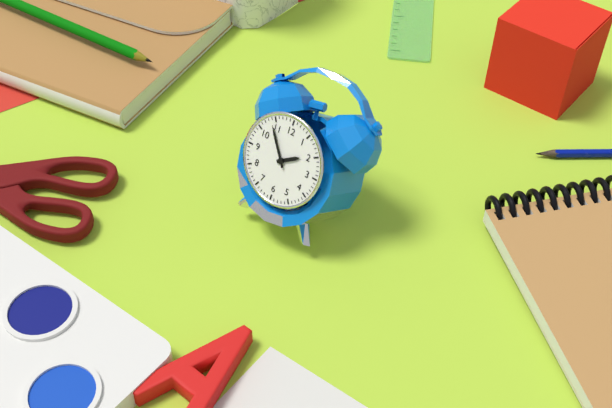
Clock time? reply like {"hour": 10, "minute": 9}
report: {"hour": 1, "minute": 54}
